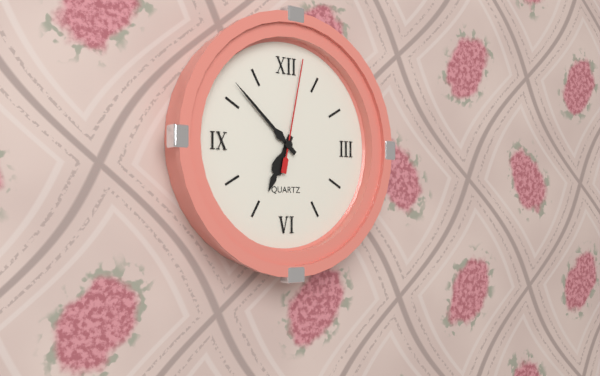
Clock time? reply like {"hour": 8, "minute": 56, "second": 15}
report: {"hour": 6, "minute": 52, "second": 2}
